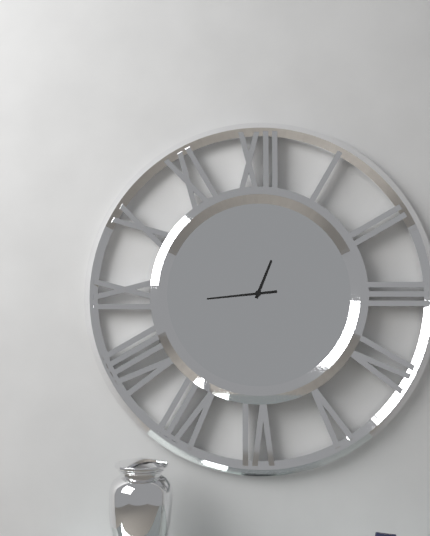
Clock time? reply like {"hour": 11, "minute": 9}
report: {"hour": 12, "minute": 44}
